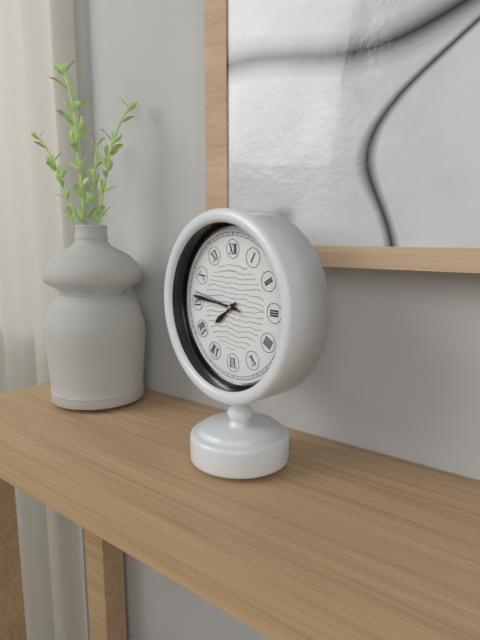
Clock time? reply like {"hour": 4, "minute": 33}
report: {"hour": 7, "minute": 46}
